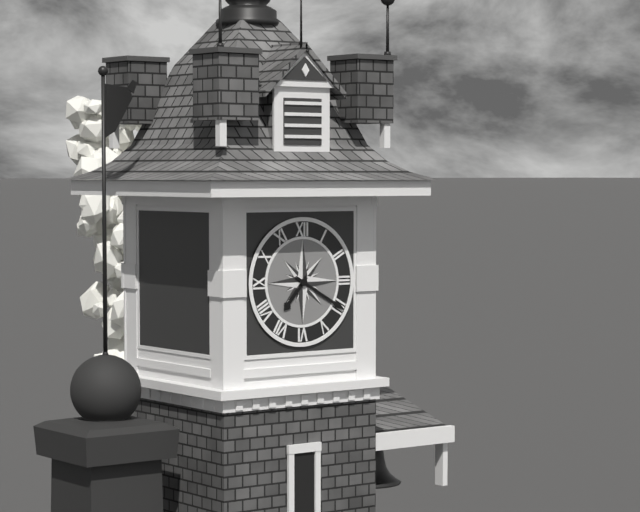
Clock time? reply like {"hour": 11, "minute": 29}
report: {"hour": 7, "minute": 20}
